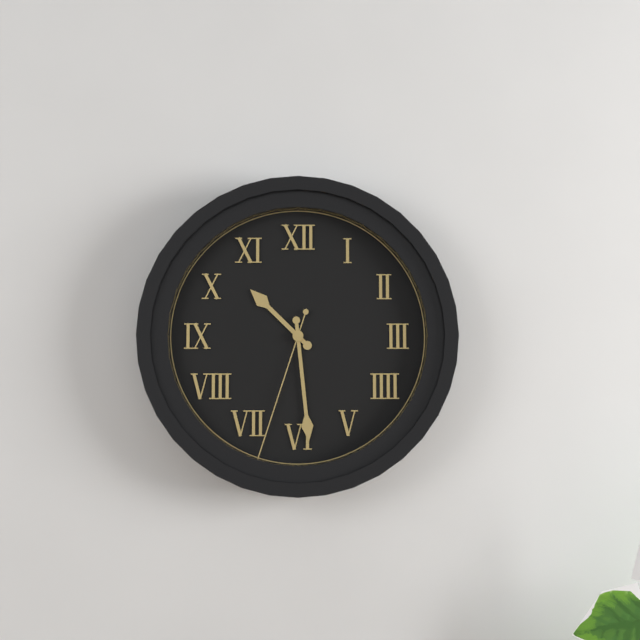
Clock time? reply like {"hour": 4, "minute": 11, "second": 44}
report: {"hour": 10, "minute": 29, "second": 33}
